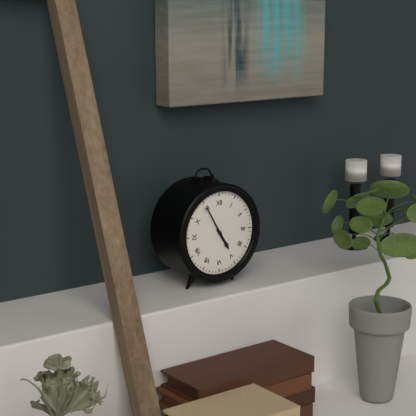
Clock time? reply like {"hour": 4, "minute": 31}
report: {"hour": 4, "minute": 55}
